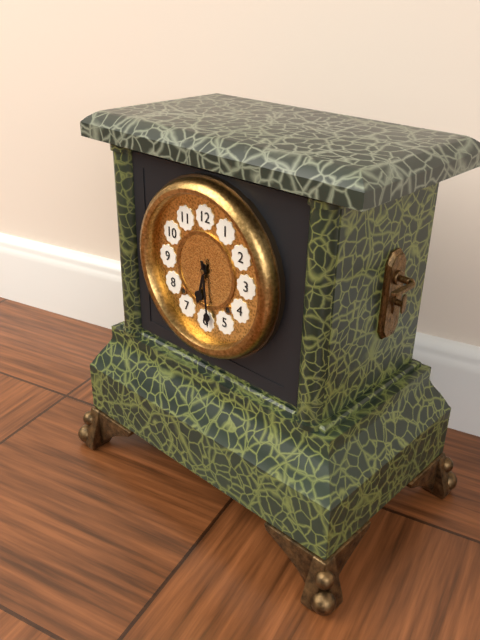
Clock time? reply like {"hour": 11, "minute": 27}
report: {"hour": 6, "minute": 29}
